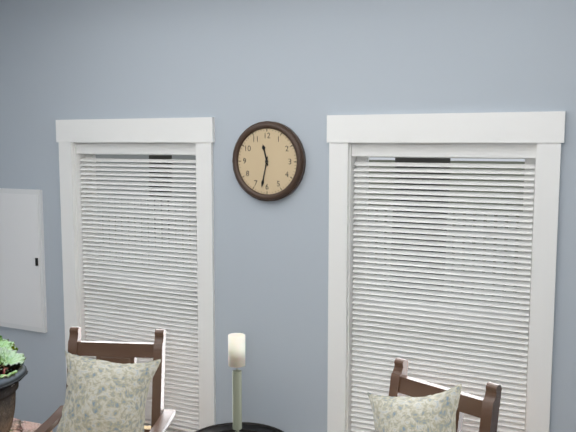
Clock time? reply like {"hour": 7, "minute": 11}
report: {"hour": 11, "minute": 32}
